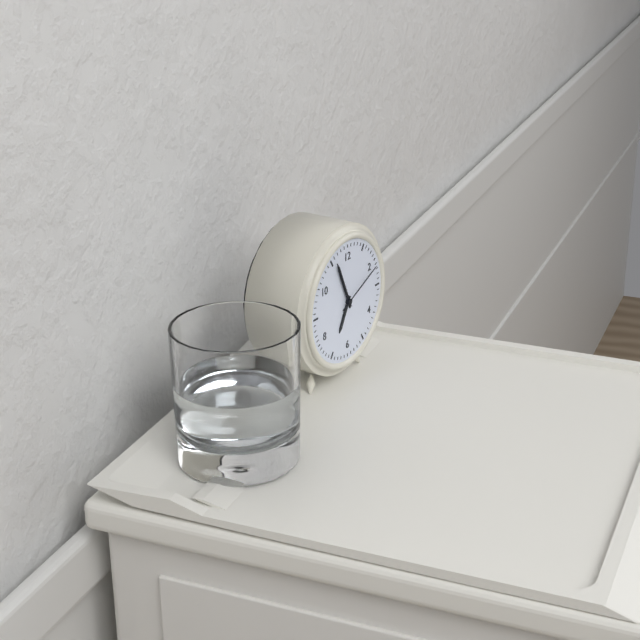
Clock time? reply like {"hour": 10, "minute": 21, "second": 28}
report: {"hour": 6, "minute": 56, "second": 11}
